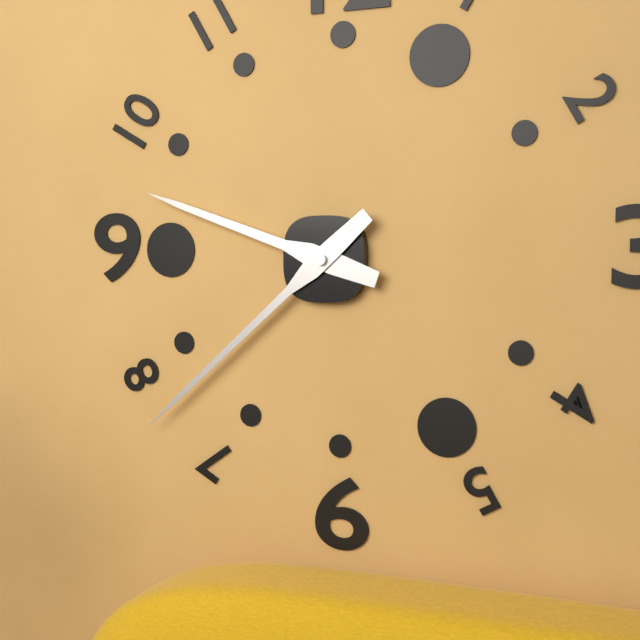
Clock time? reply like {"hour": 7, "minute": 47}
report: {"hour": 9, "minute": 38}
